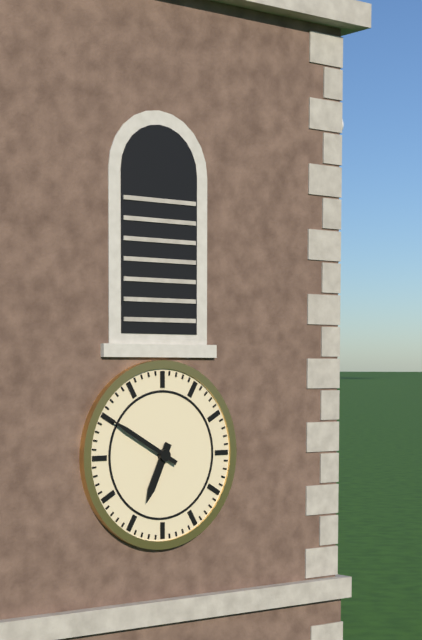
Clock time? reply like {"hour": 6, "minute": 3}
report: {"hour": 6, "minute": 50}
